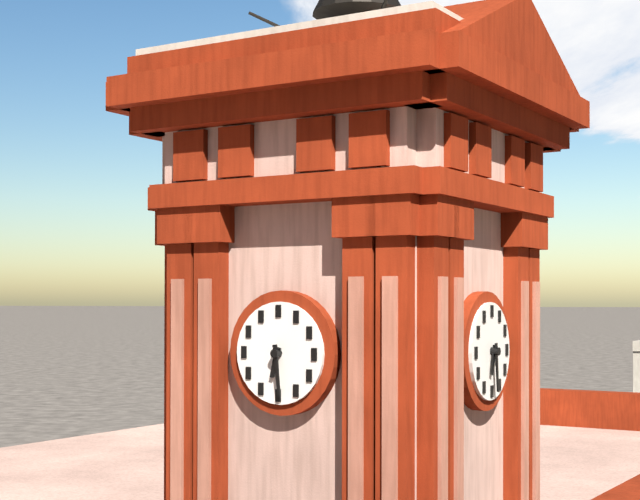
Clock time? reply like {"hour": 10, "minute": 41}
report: {"hour": 6, "minute": 29}
